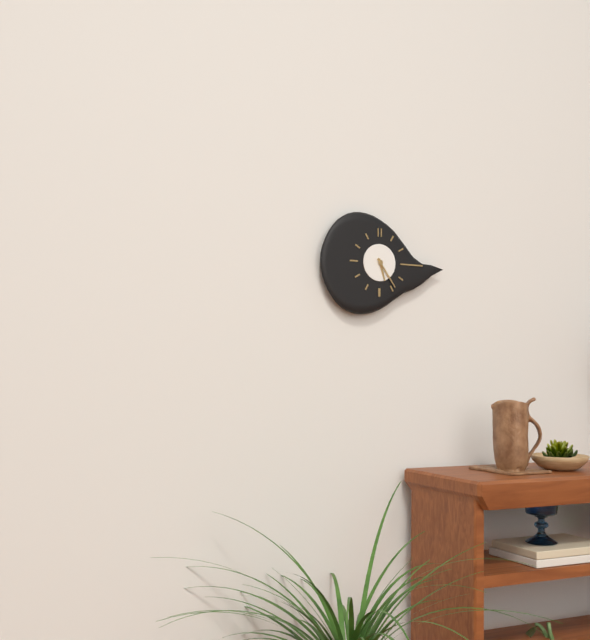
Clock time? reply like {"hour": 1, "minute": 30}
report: {"hour": 5, "minute": 24}
